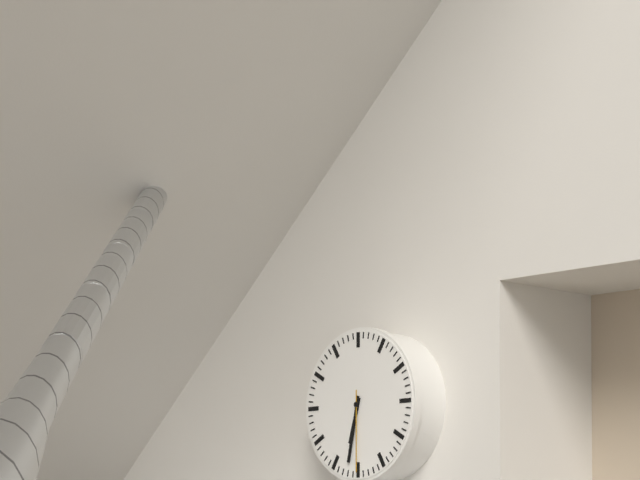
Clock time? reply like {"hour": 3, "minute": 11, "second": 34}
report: {"hour": 6, "minute": 32, "second": 30}
